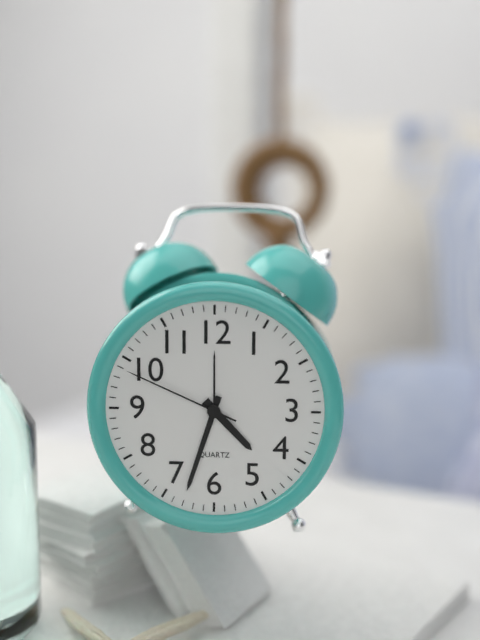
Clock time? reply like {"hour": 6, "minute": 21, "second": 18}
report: {"hour": 4, "minute": 33, "second": 49}
